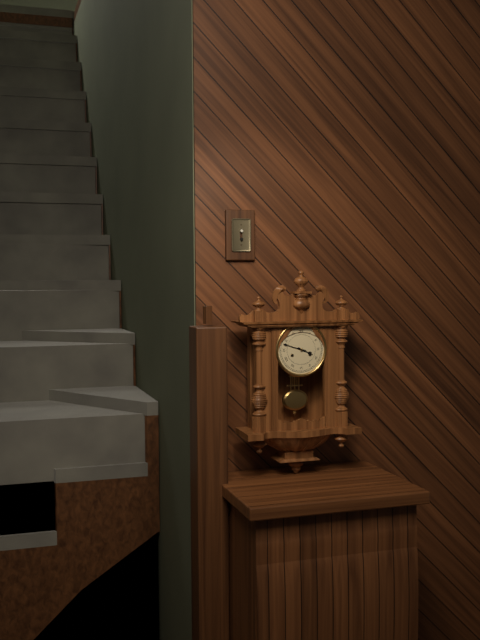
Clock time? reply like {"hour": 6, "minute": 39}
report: {"hour": 3, "minute": 48}
